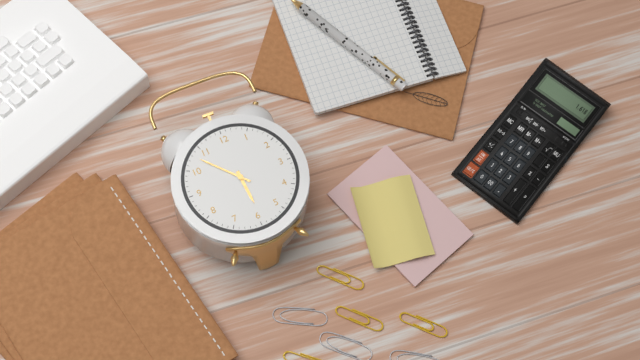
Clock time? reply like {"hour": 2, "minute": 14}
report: {"hour": 5, "minute": 53}
